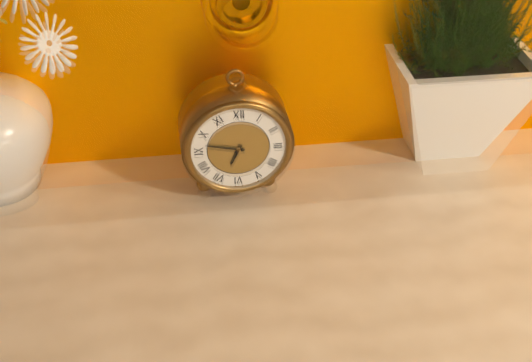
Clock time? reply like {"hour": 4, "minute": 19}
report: {"hour": 6, "minute": 47}
